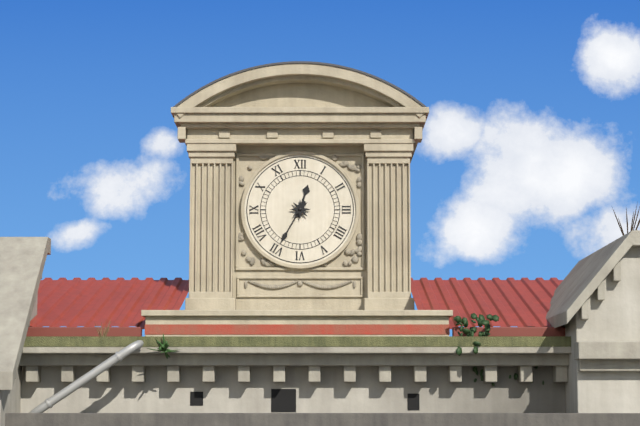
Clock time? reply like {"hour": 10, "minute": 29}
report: {"hour": 12, "minute": 35}
